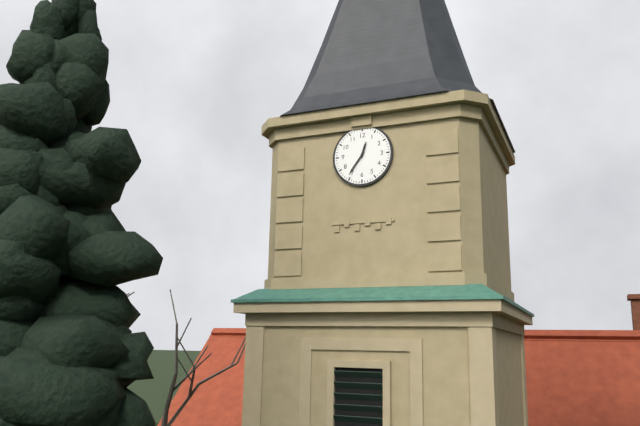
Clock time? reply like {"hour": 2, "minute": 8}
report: {"hour": 12, "minute": 36}
